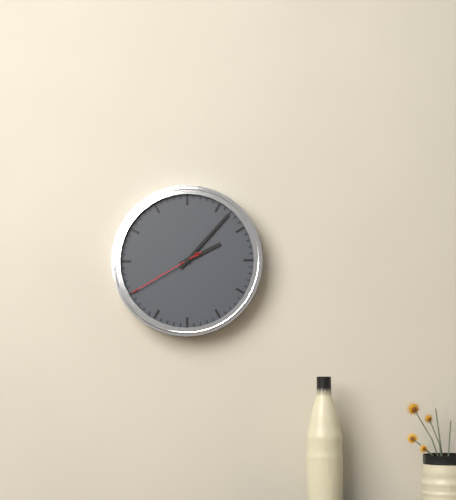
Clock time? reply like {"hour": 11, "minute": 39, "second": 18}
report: {"hour": 2, "minute": 7, "second": 40}
